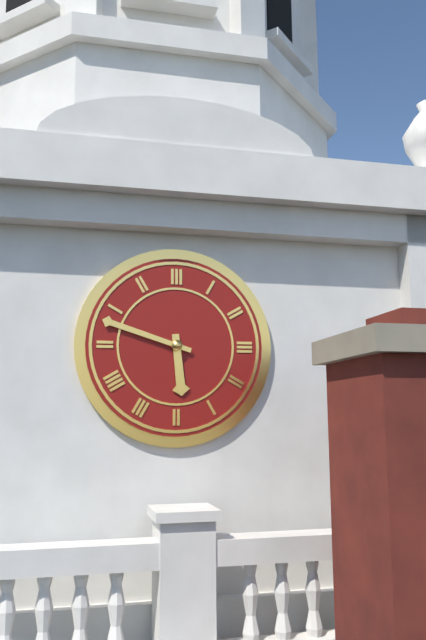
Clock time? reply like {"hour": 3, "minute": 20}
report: {"hour": 5, "minute": 48}
